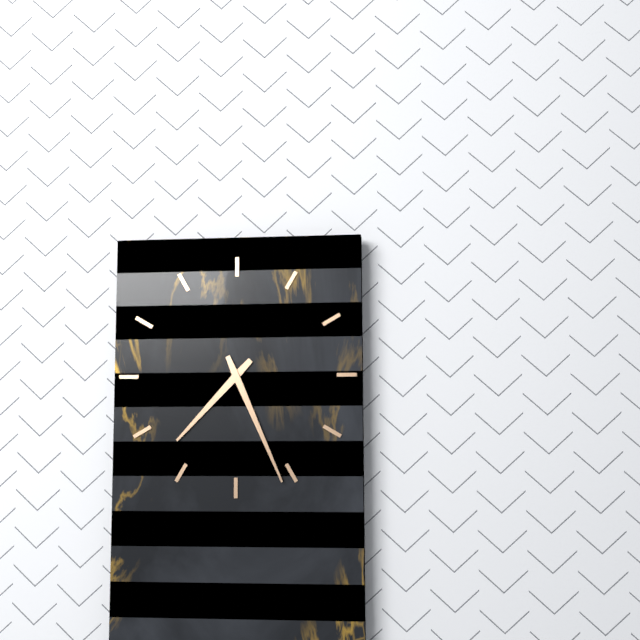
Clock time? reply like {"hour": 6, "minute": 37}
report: {"hour": 7, "minute": 26}
